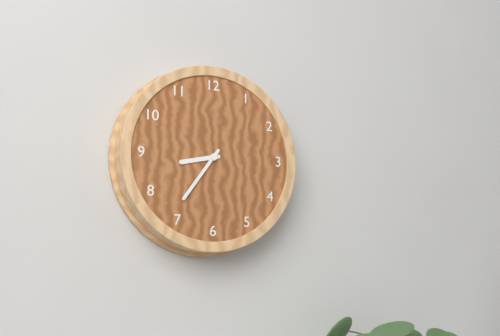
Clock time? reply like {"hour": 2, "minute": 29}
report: {"hour": 8, "minute": 36}
